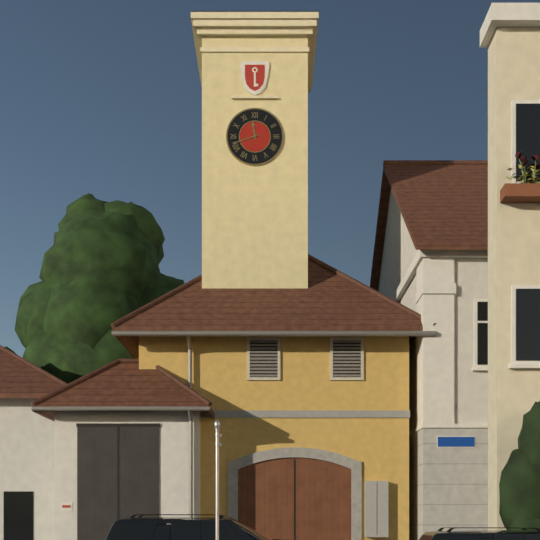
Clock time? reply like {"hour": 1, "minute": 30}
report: {"hour": 11, "minute": 42}
